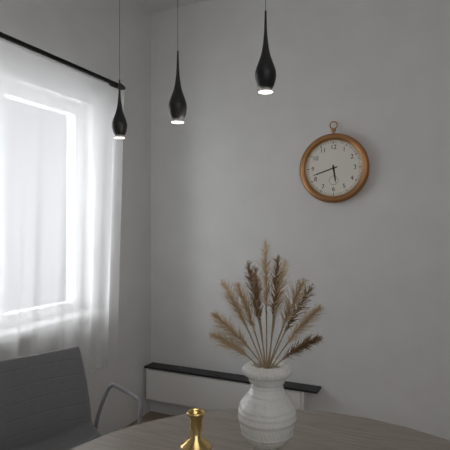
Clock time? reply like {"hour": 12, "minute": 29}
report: {"hour": 5, "minute": 42}
